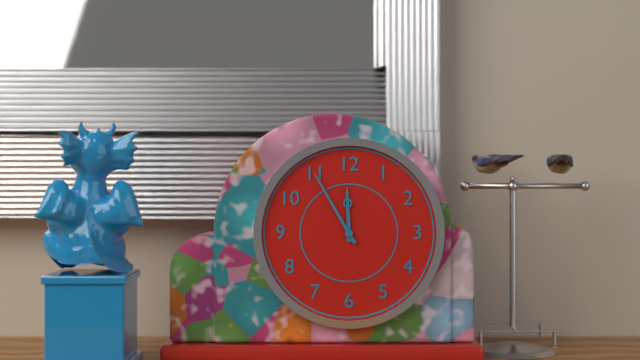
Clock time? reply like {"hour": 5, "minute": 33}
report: {"hour": 11, "minute": 55}
